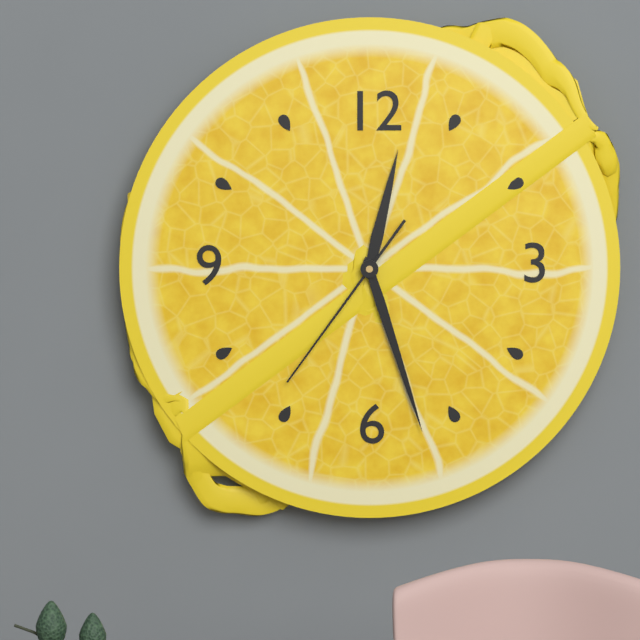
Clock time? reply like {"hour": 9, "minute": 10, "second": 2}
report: {"hour": 12, "minute": 27, "second": 36}
